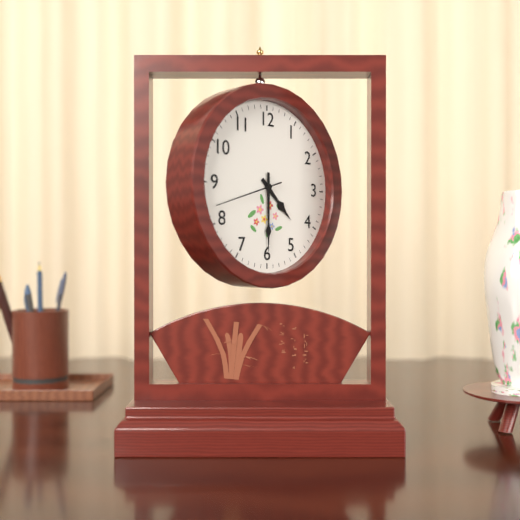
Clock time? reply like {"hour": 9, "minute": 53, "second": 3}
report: {"hour": 4, "minute": 30, "second": 42}
